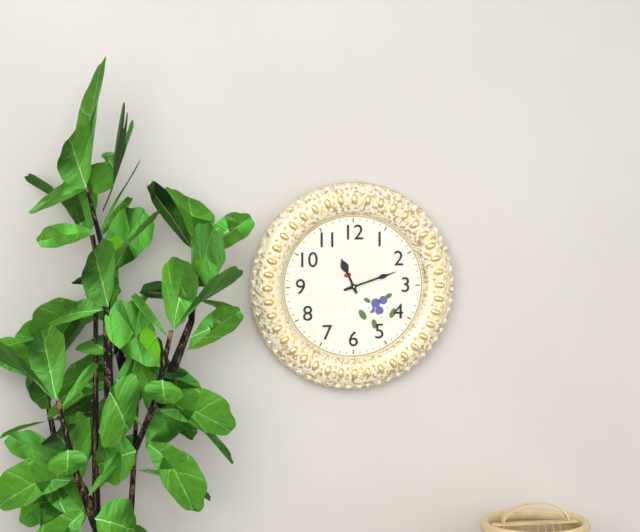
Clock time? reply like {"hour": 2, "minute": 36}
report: {"hour": 11, "minute": 12}
